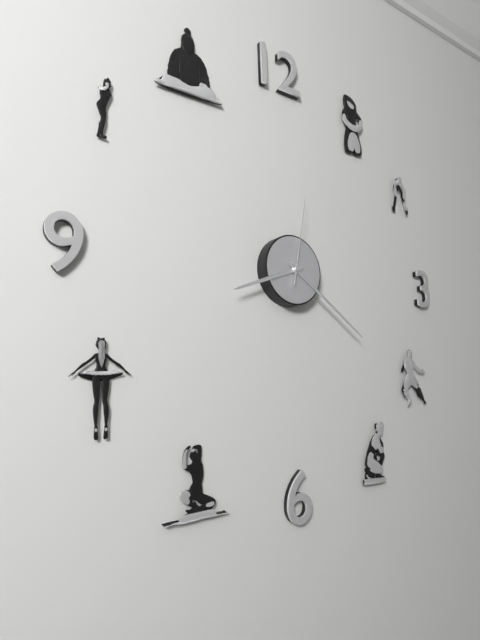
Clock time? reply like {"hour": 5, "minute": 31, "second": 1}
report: {"hour": 8, "minute": 21, "second": 2}
